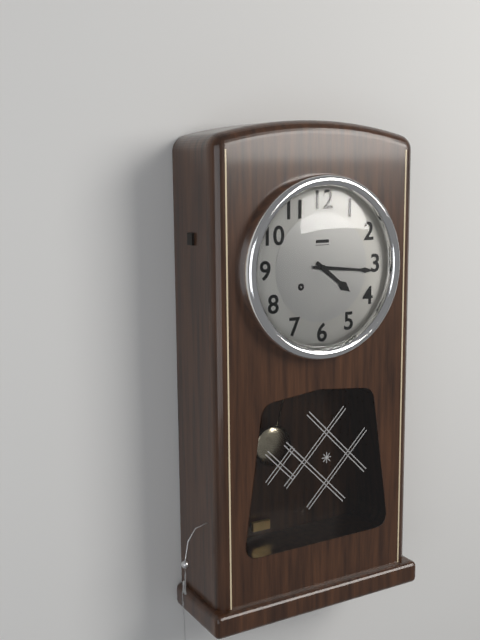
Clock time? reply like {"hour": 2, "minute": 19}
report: {"hour": 4, "minute": 16}
